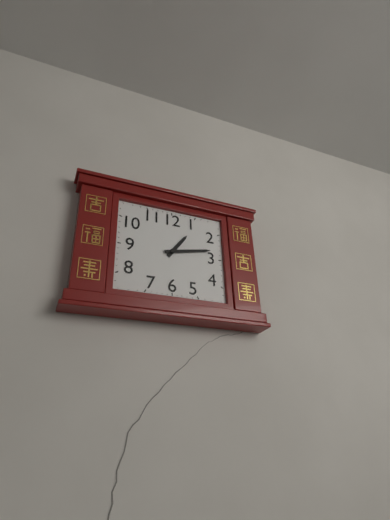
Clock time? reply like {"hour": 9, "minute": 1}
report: {"hour": 1, "minute": 13}
